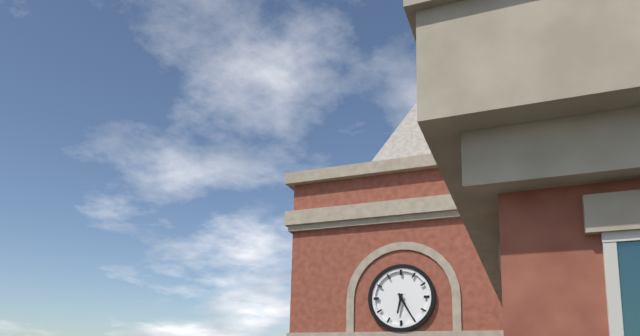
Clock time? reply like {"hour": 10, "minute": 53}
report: {"hour": 6, "minute": 25}
